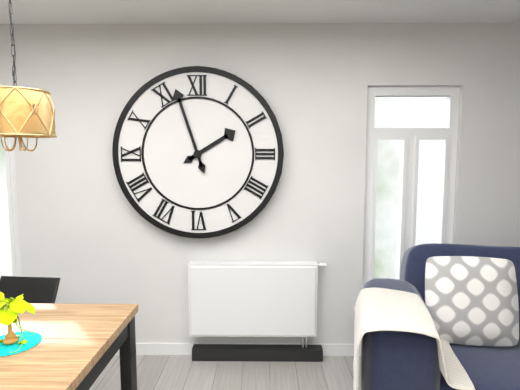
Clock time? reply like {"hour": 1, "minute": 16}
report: {"hour": 1, "minute": 57}
